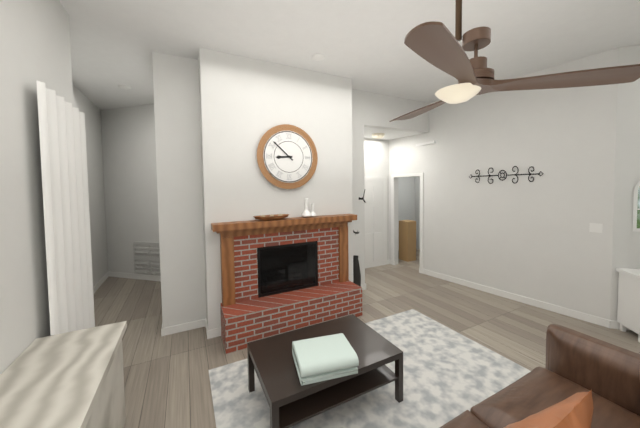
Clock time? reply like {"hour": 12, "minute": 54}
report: {"hour": 8, "minute": 52}
